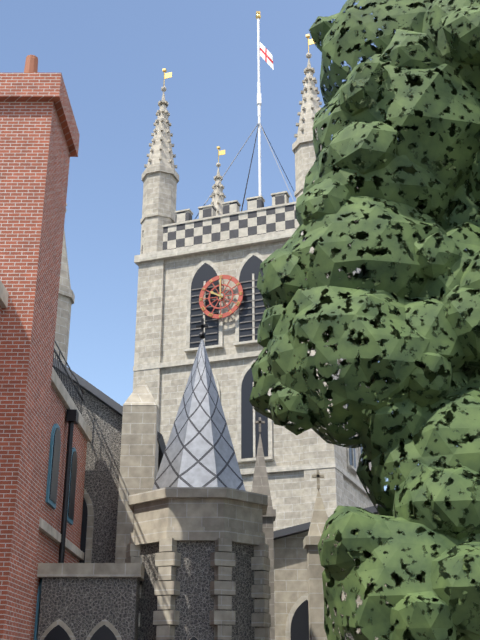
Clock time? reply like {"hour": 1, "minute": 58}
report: {"hour": 10, "minute": 0}
